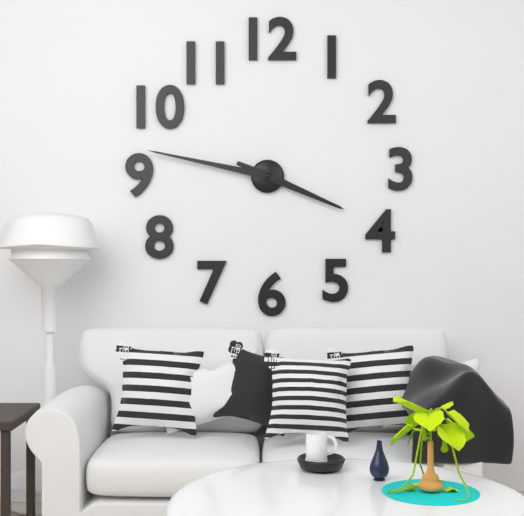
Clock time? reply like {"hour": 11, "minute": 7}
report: {"hour": 3, "minute": 47}
